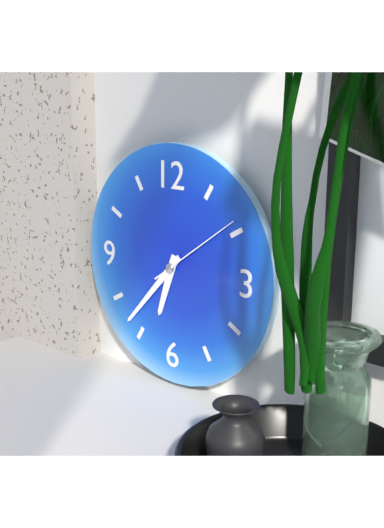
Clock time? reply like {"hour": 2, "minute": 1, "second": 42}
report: {"hour": 6, "minute": 37, "second": 9}
